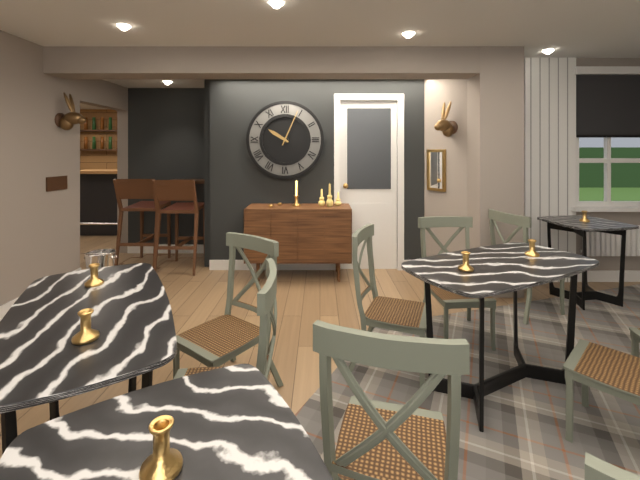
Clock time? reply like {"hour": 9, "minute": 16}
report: {"hour": 10, "minute": 4}
